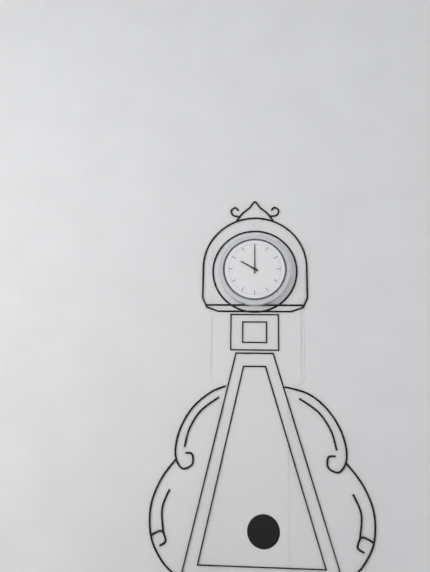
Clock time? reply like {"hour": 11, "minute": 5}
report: {"hour": 10, "minute": 0}
